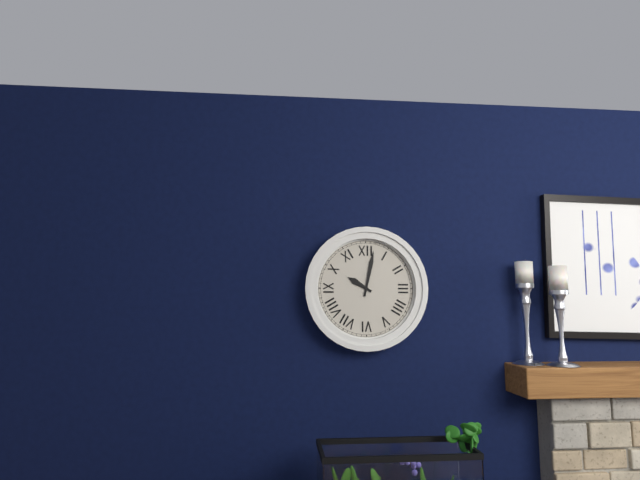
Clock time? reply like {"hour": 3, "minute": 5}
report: {"hour": 10, "minute": 2}
